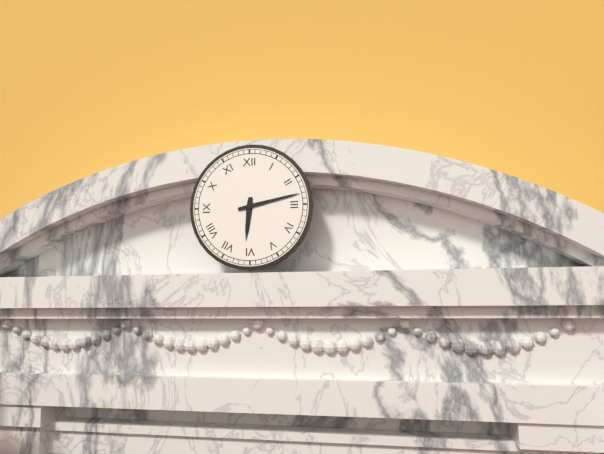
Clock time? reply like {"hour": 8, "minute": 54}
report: {"hour": 6, "minute": 13}
